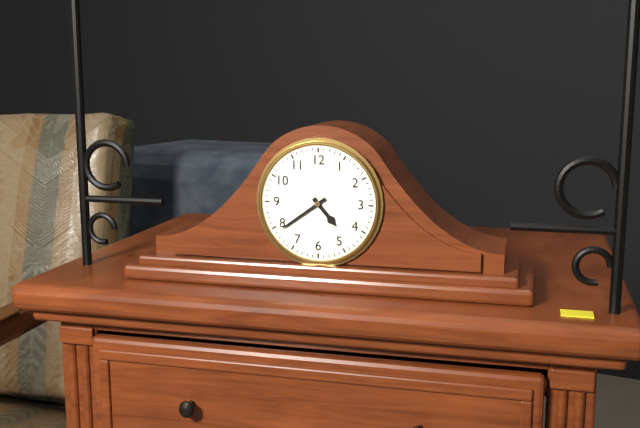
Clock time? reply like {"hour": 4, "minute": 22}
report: {"hour": 4, "minute": 39}
